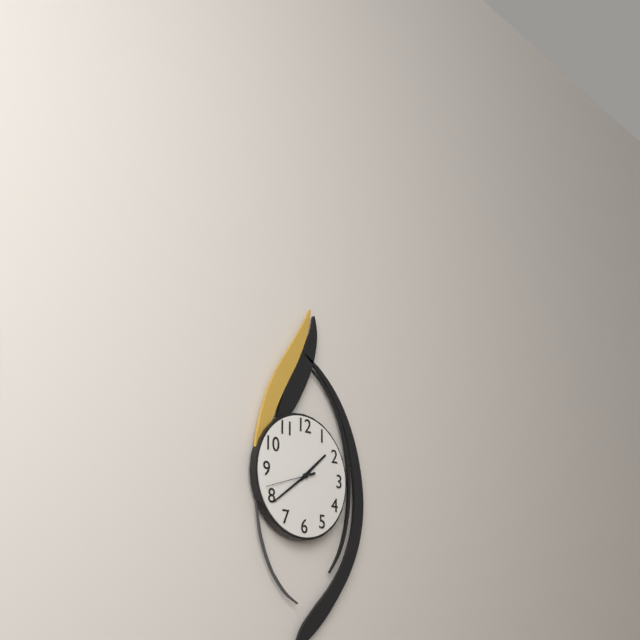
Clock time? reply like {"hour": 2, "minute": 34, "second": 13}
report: {"hour": 1, "minute": 39, "second": 42}
